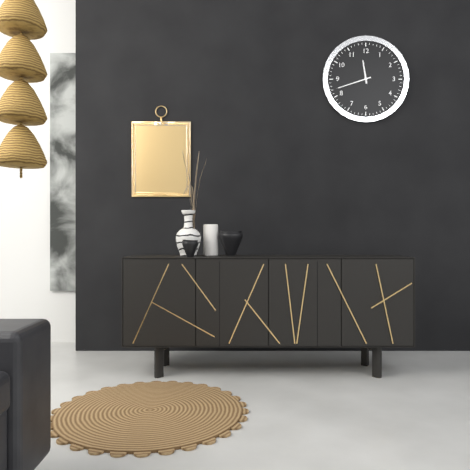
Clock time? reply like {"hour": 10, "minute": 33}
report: {"hour": 11, "minute": 42}
